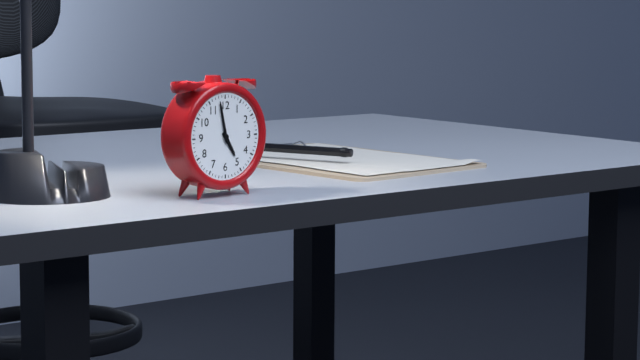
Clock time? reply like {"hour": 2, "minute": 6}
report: {"hour": 4, "minute": 58}
